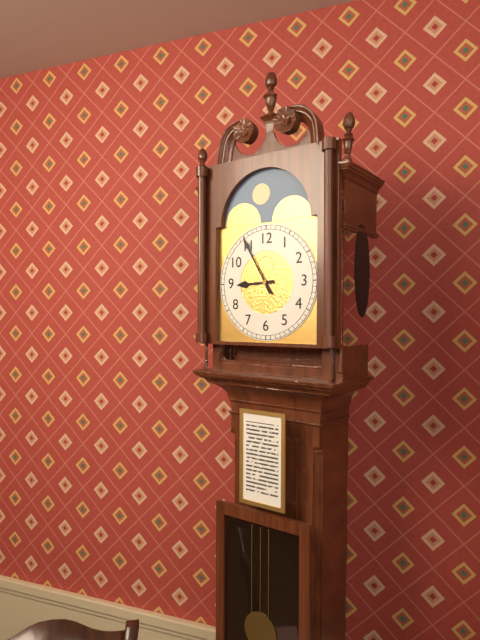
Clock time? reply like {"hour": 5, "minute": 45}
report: {"hour": 8, "minute": 55}
